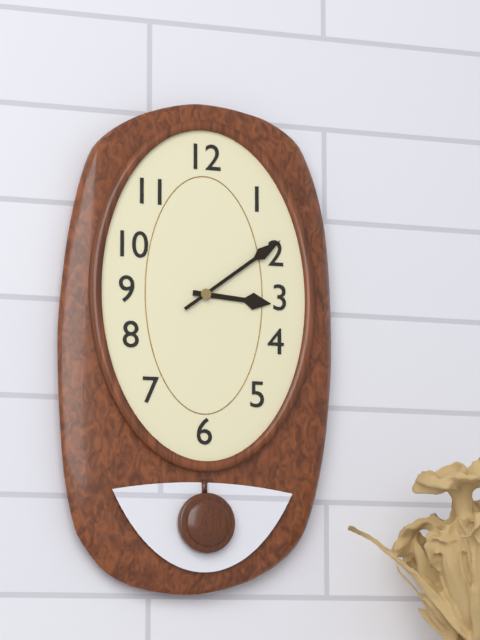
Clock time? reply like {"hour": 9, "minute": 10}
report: {"hour": 3, "minute": 9}
